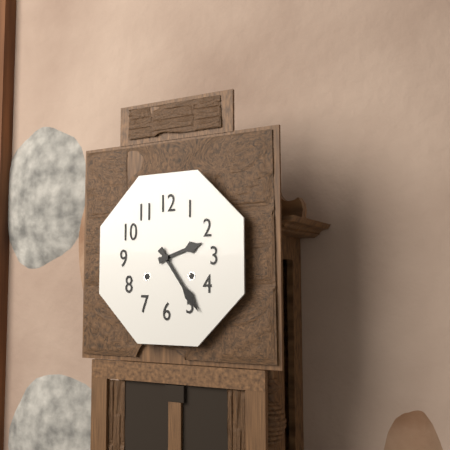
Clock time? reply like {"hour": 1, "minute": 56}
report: {"hour": 2, "minute": 24}
